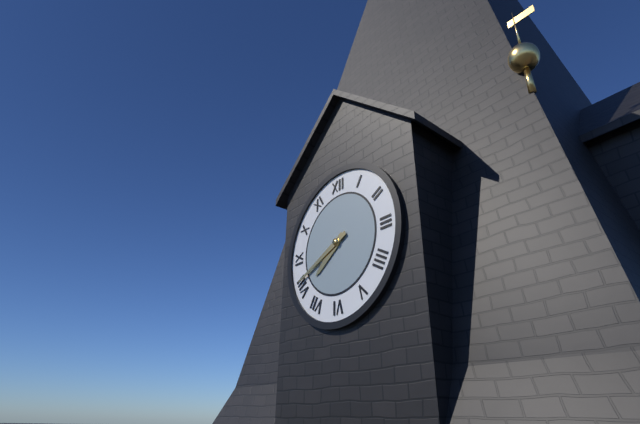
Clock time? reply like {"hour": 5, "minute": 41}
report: {"hour": 7, "minute": 41}
